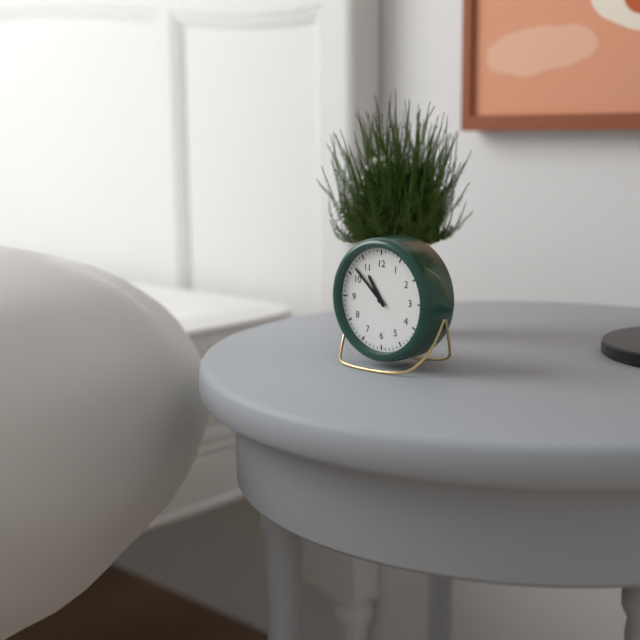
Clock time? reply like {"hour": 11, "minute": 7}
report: {"hour": 10, "minute": 52}
